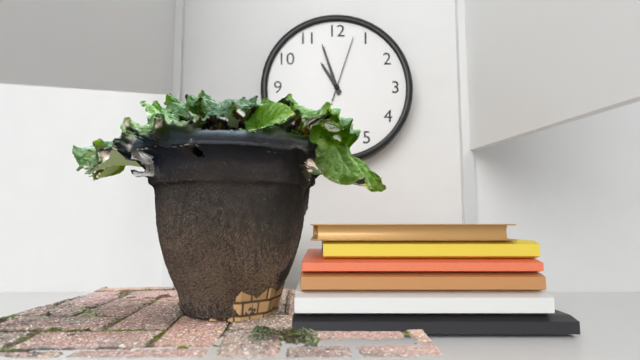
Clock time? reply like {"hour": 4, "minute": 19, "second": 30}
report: {"hour": 10, "minute": 57, "second": 3}
